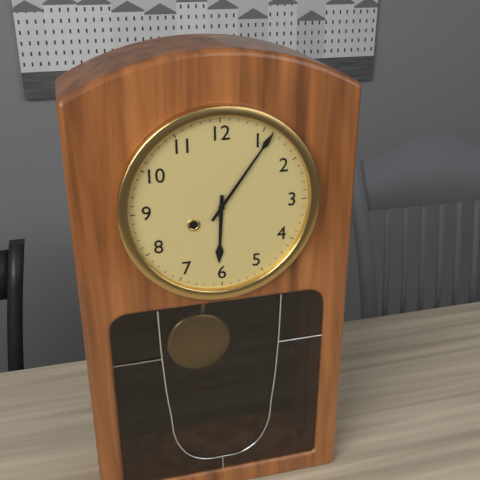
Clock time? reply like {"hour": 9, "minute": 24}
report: {"hour": 6, "minute": 6}
